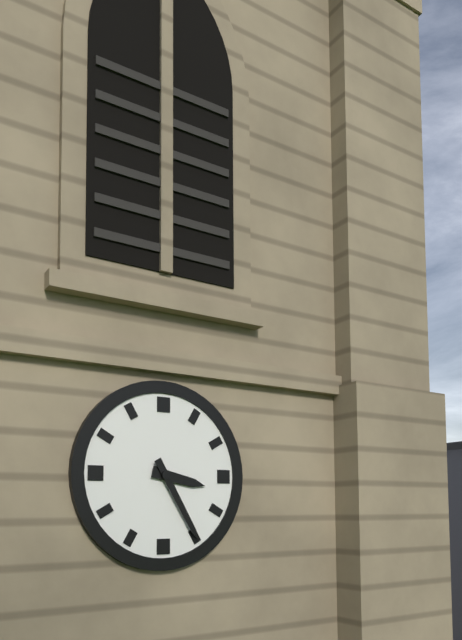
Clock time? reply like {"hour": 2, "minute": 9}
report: {"hour": 3, "minute": 25}
